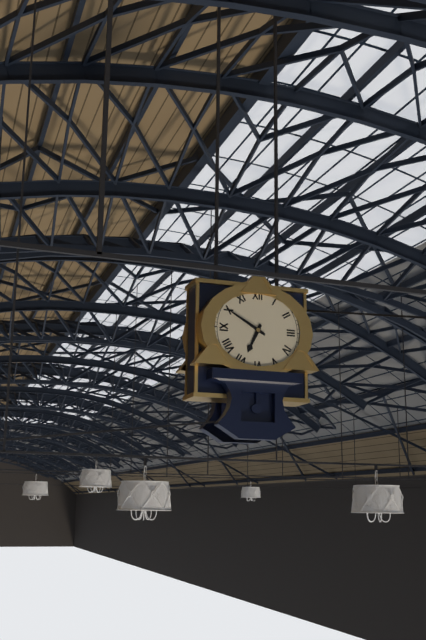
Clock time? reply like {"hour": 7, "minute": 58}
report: {"hour": 6, "minute": 50}
